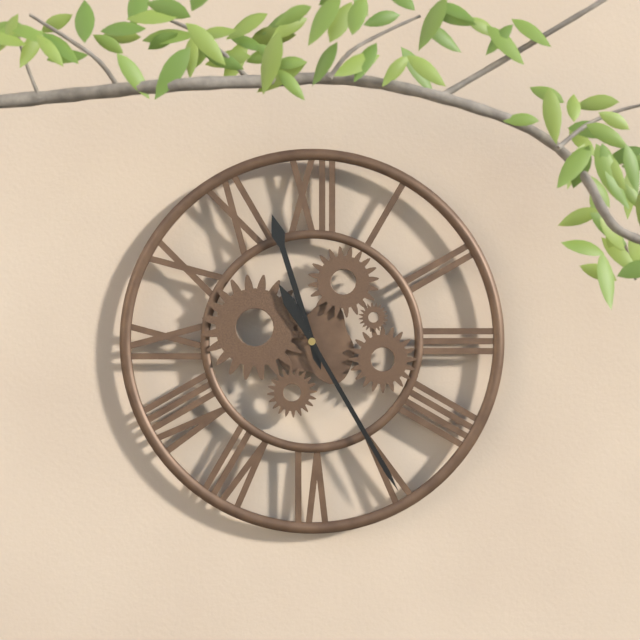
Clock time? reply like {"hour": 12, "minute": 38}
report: {"hour": 11, "minute": 25}
